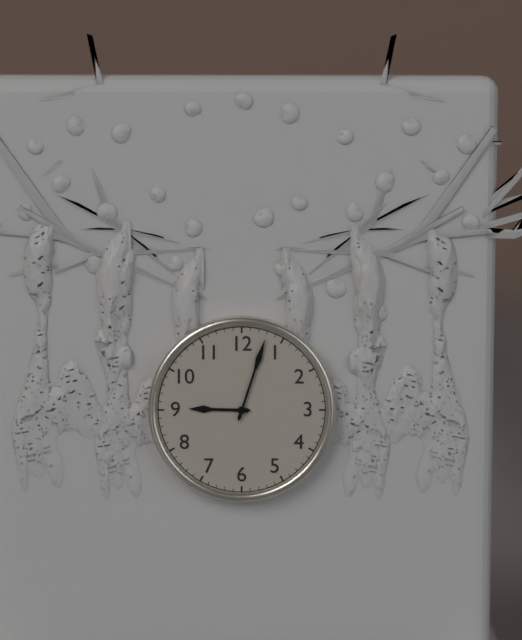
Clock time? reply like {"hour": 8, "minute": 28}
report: {"hour": 9, "minute": 3}
